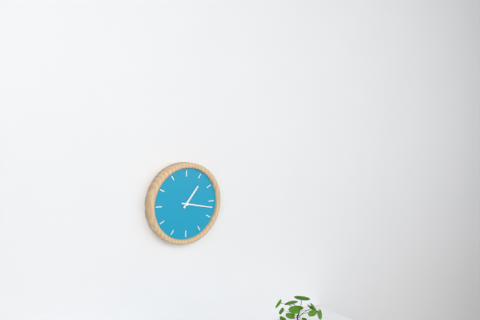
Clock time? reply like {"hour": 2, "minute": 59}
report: {"hour": 1, "minute": 17}
